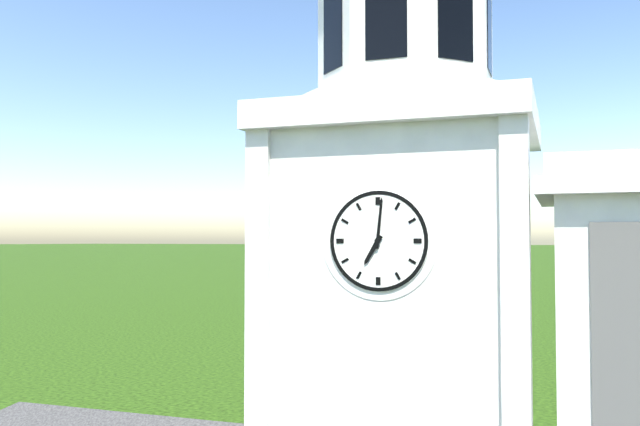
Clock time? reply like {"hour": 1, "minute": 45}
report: {"hour": 7, "minute": 1}
